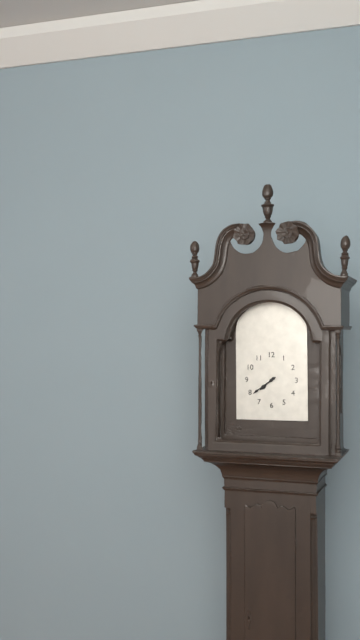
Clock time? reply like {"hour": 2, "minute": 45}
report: {"hour": 7, "minute": 39}
